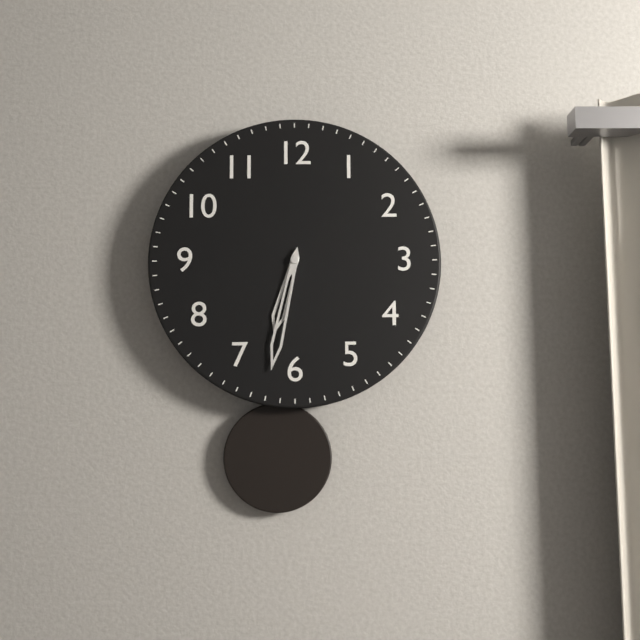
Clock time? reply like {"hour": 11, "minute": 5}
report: {"hour": 6, "minute": 32}
